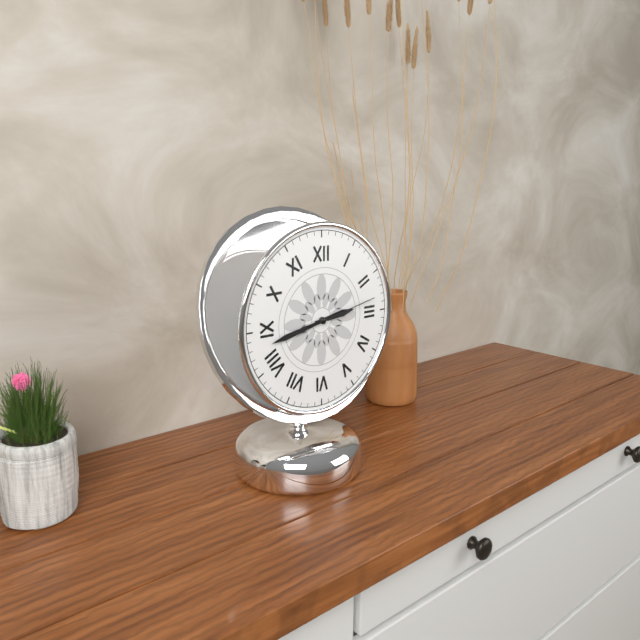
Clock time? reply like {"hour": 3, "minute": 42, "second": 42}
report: {"hour": 2, "minute": 43, "second": 13}
